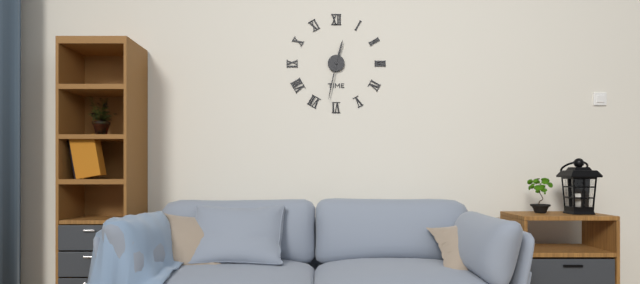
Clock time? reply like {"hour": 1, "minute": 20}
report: {"hour": 12, "minute": 32}
